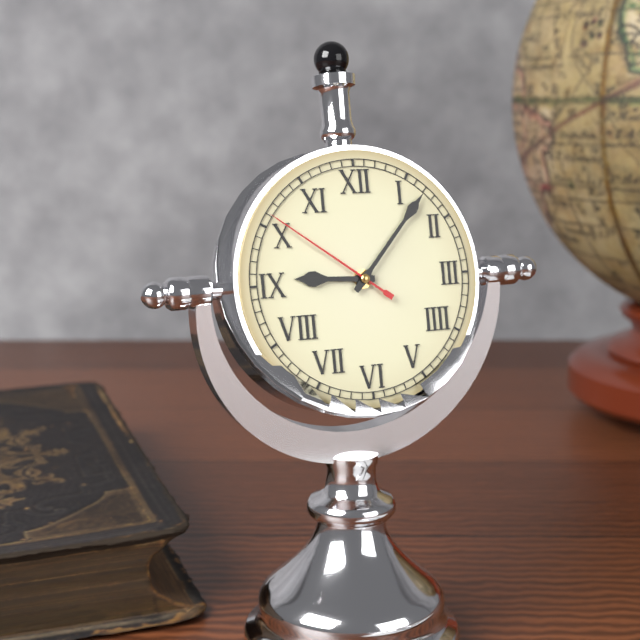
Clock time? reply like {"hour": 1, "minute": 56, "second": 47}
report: {"hour": 9, "minute": 7, "second": 51}
